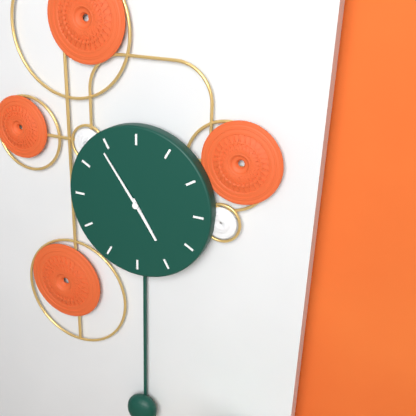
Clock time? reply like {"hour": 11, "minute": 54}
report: {"hour": 4, "minute": 54}
